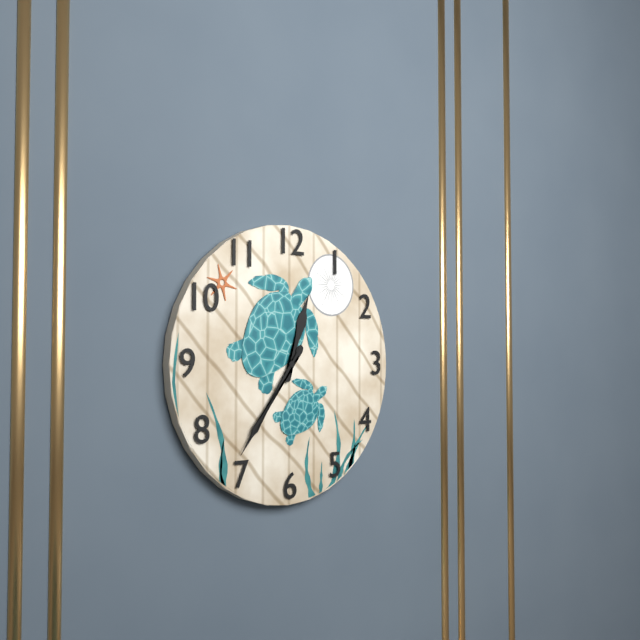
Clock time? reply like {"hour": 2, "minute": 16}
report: {"hour": 12, "minute": 36}
